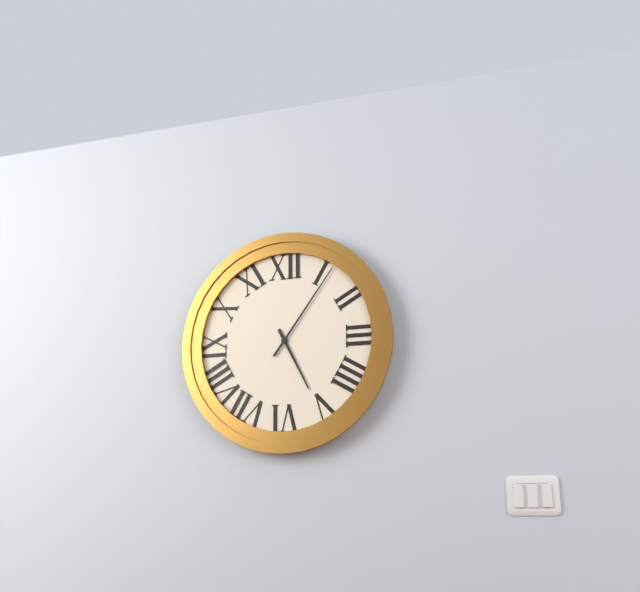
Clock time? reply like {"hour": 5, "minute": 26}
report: {"hour": 5, "minute": 6}
